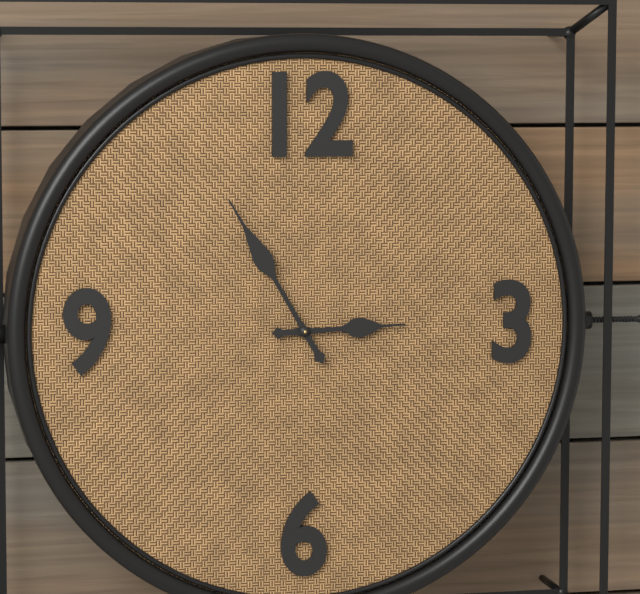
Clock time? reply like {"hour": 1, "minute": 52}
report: {"hour": 2, "minute": 55}
